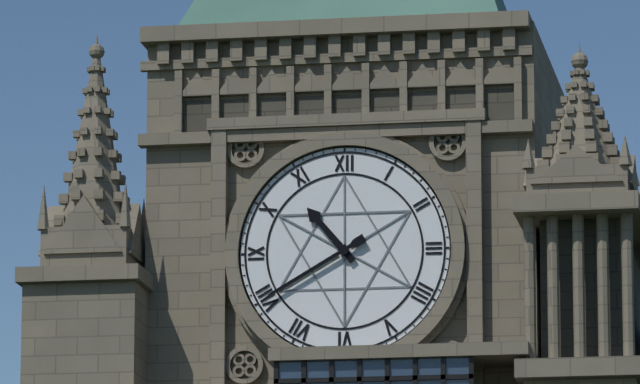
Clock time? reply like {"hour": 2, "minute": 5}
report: {"hour": 10, "minute": 40}
